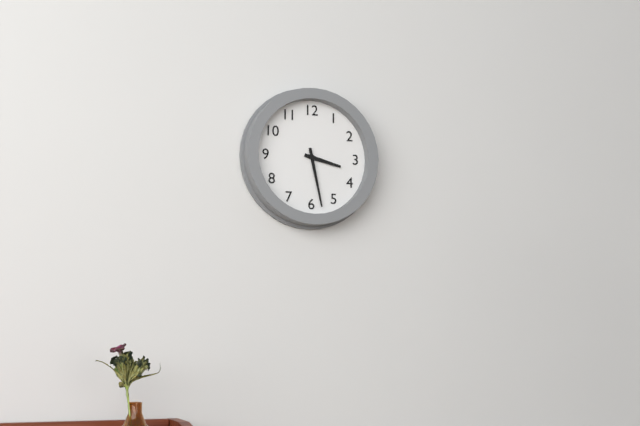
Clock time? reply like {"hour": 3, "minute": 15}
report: {"hour": 3, "minute": 28}
